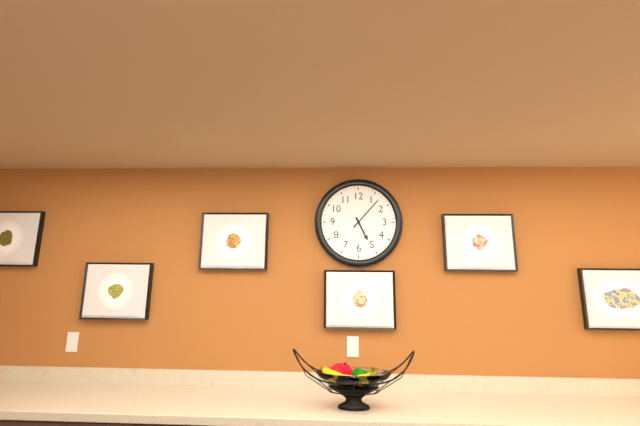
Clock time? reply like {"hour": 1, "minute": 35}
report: {"hour": 5, "minute": 7}
